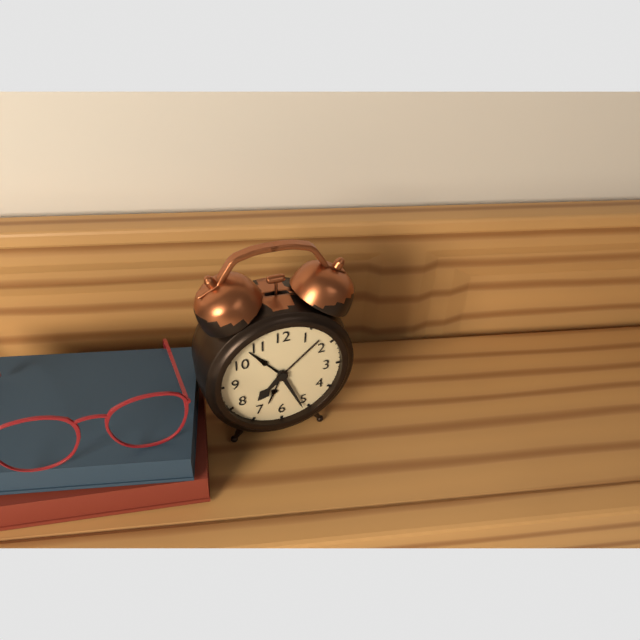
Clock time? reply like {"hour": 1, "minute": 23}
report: {"hour": 7, "minute": 26}
